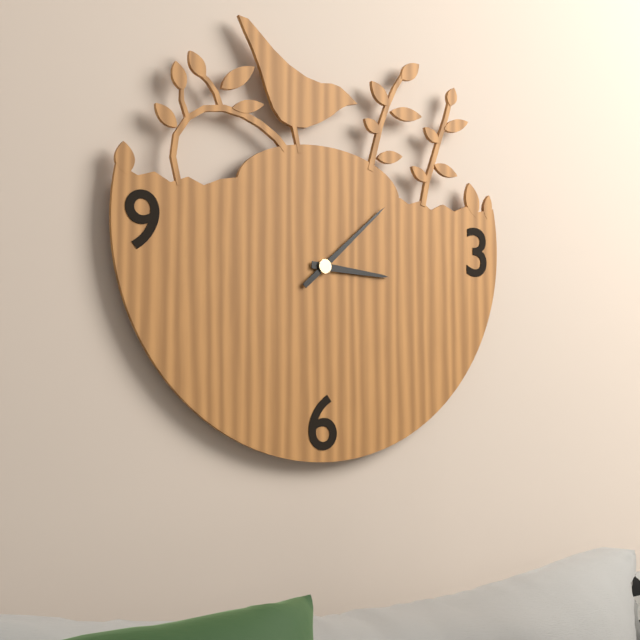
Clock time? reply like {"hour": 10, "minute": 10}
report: {"hour": 3, "minute": 8}
